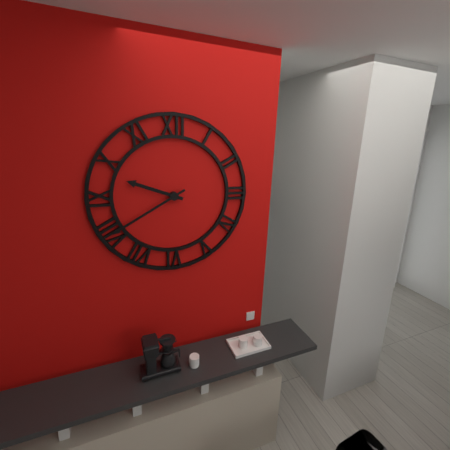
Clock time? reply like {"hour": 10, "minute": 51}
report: {"hour": 9, "minute": 40}
